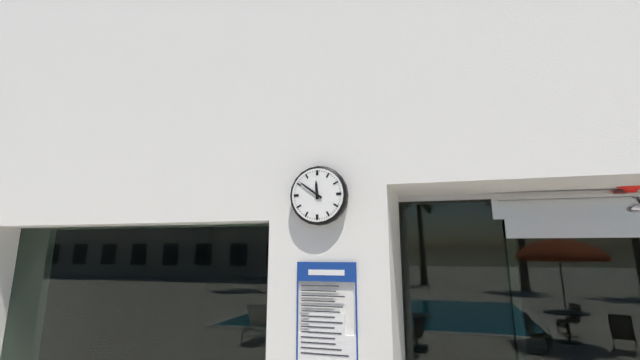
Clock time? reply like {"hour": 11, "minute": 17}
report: {"hour": 11, "minute": 51}
